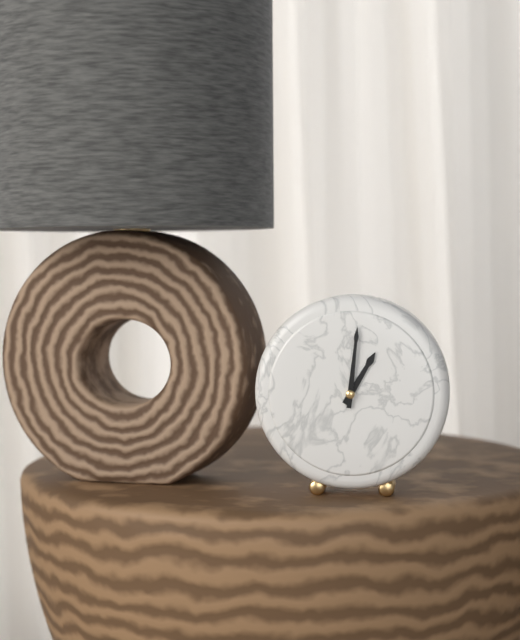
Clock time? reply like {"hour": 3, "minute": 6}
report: {"hour": 1, "minute": 1}
